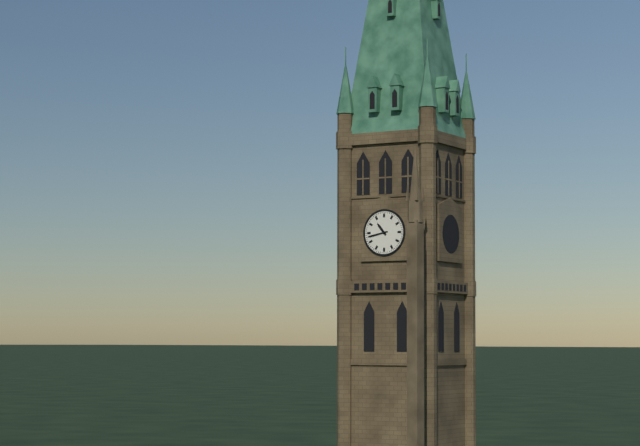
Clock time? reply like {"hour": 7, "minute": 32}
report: {"hour": 10, "minute": 43}
